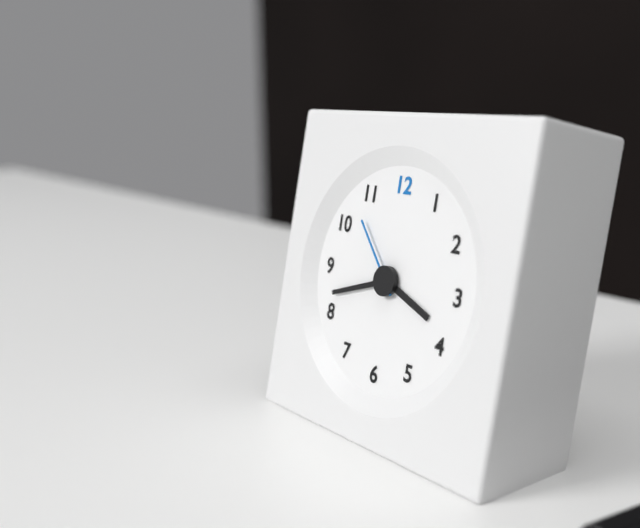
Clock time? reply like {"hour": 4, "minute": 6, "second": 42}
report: {"hour": 3, "minute": 42, "second": 53}
